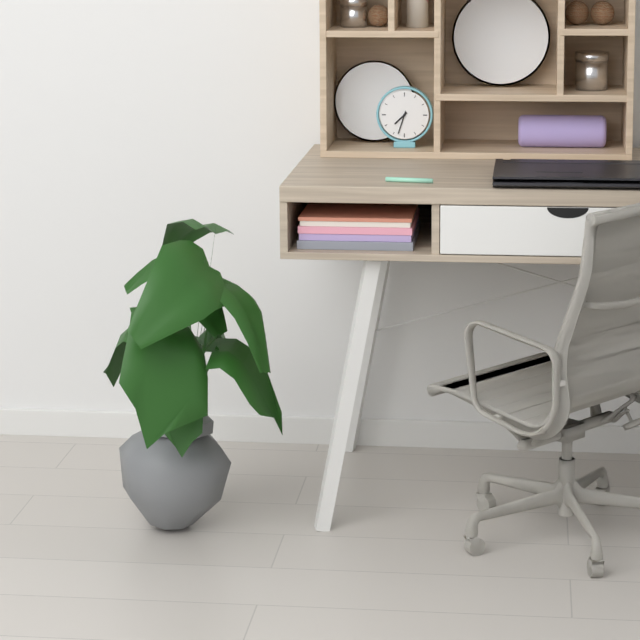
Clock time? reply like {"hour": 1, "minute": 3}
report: {"hour": 7, "minute": 33}
